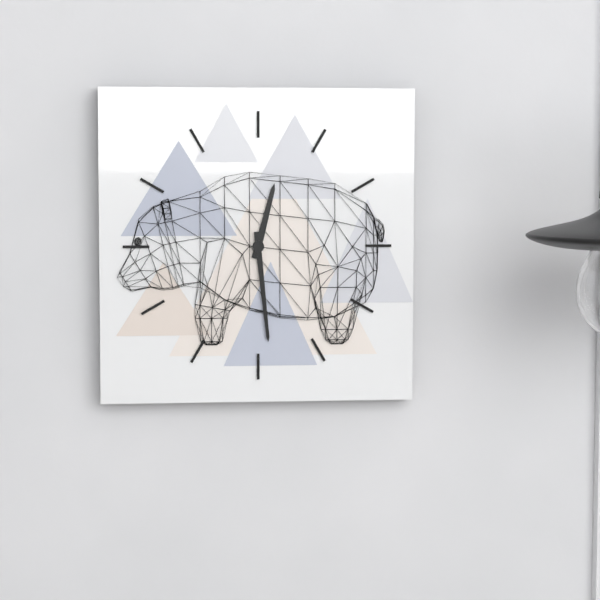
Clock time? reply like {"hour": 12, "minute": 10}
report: {"hour": 12, "minute": 29}
